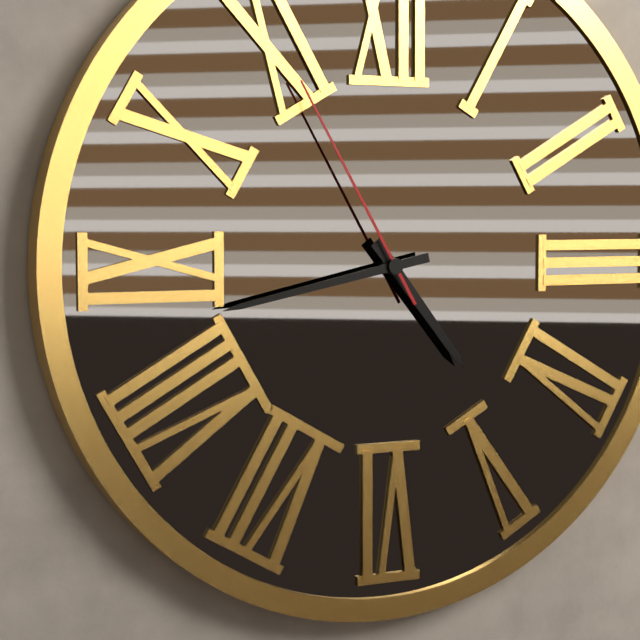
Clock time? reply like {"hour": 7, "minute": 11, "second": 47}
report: {"hour": 4, "minute": 43, "second": 55}
